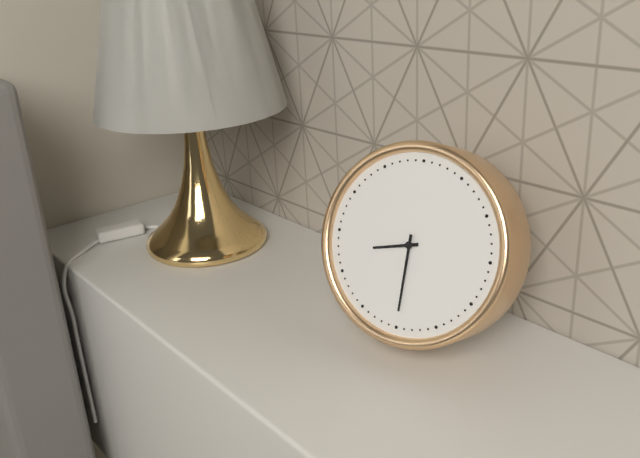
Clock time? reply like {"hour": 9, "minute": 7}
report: {"hour": 8, "minute": 30}
